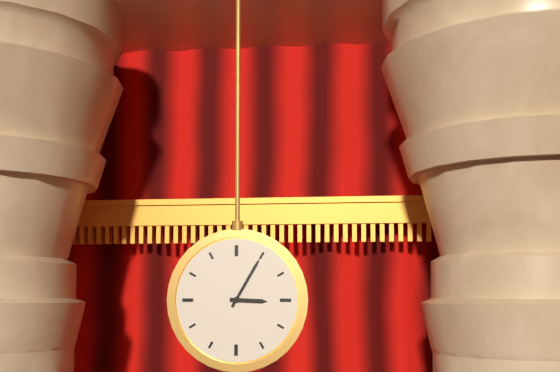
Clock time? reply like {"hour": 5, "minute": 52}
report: {"hour": 3, "minute": 5}
